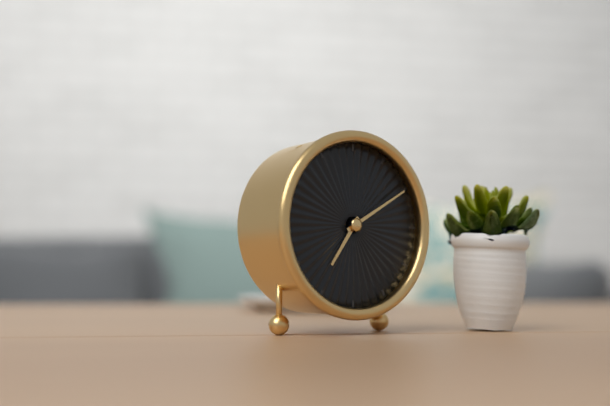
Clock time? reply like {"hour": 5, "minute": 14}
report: {"hour": 7, "minute": 10}
